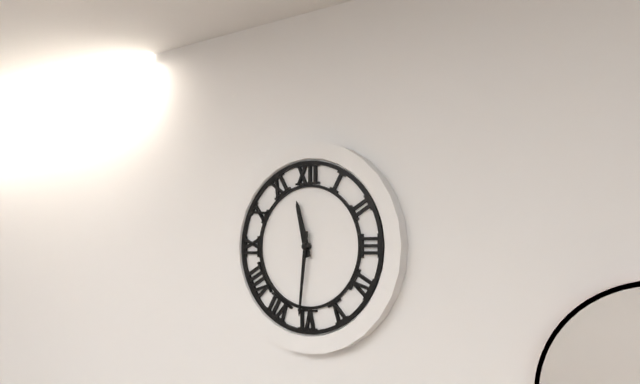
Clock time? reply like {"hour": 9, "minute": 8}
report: {"hour": 11, "minute": 31}
